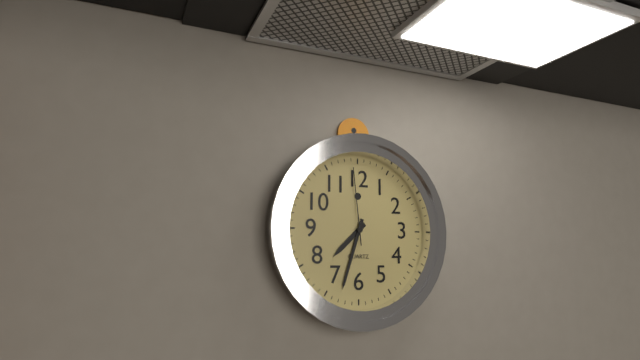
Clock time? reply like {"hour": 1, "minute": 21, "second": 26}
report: {"hour": 7, "minute": 33, "second": 59}
